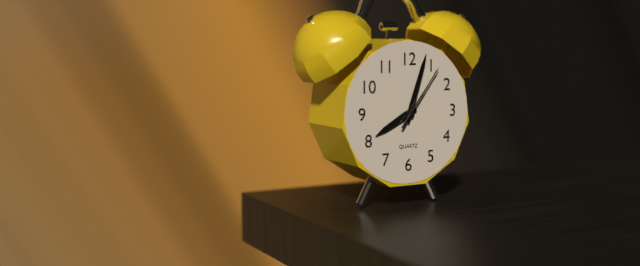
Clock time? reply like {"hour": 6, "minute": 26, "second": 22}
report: {"hour": 8, "minute": 3, "second": 6}
